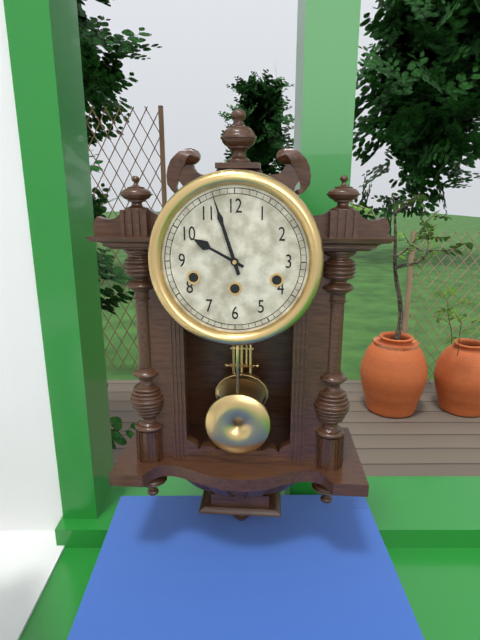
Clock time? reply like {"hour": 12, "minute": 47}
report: {"hour": 9, "minute": 57}
